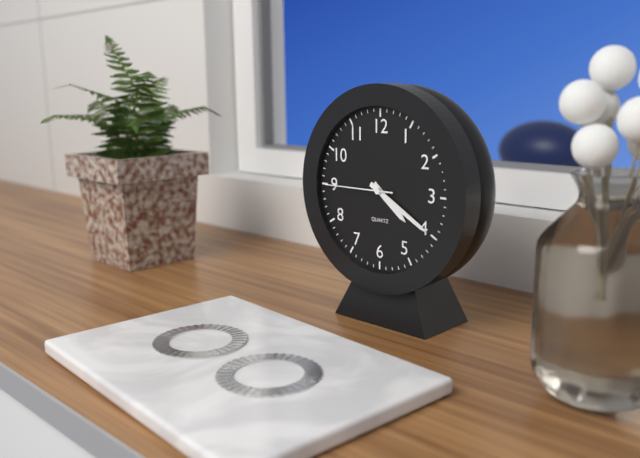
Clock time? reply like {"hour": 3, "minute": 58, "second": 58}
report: {"hour": 4, "minute": 20, "second": 45}
